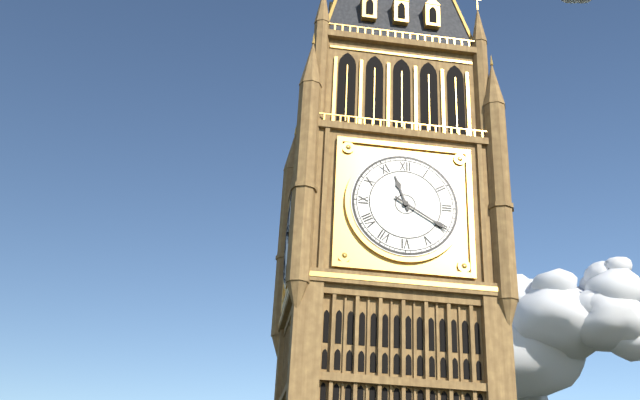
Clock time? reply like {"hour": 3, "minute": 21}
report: {"hour": 11, "minute": 20}
